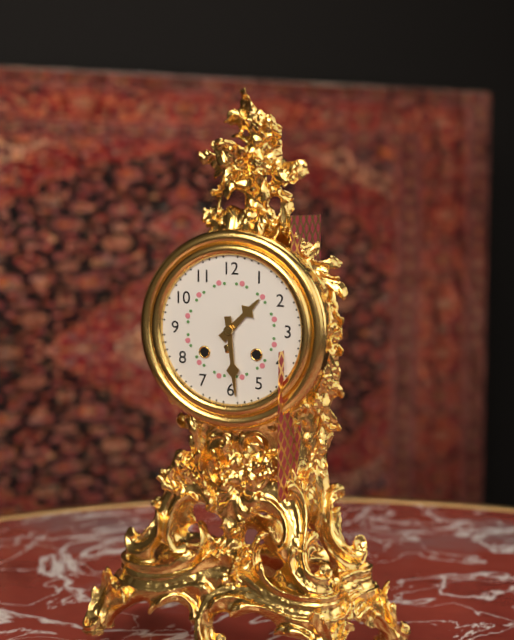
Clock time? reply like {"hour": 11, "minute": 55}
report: {"hour": 1, "minute": 29}
